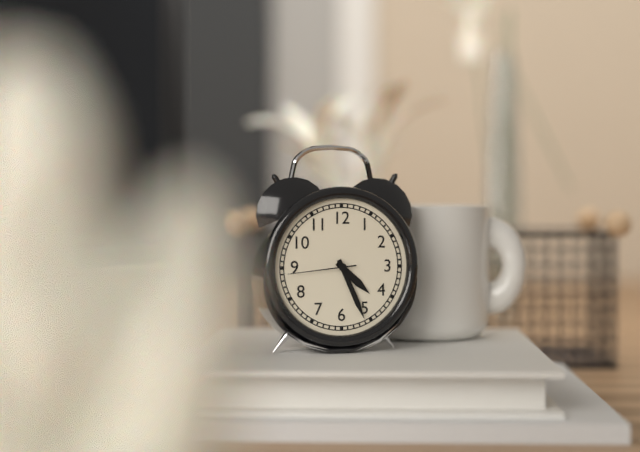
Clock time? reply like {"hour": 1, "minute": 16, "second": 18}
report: {"hour": 4, "minute": 26, "second": 44}
